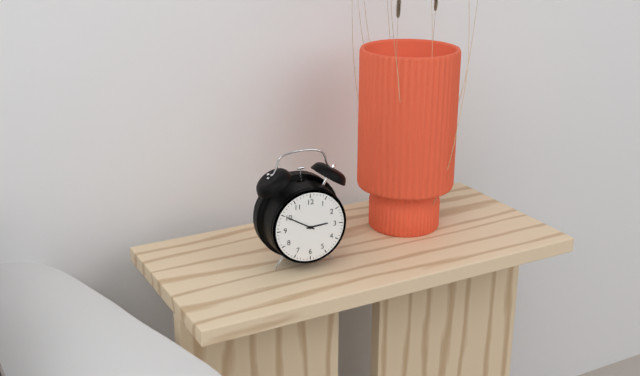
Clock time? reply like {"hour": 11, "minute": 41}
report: {"hour": 2, "minute": 50}
